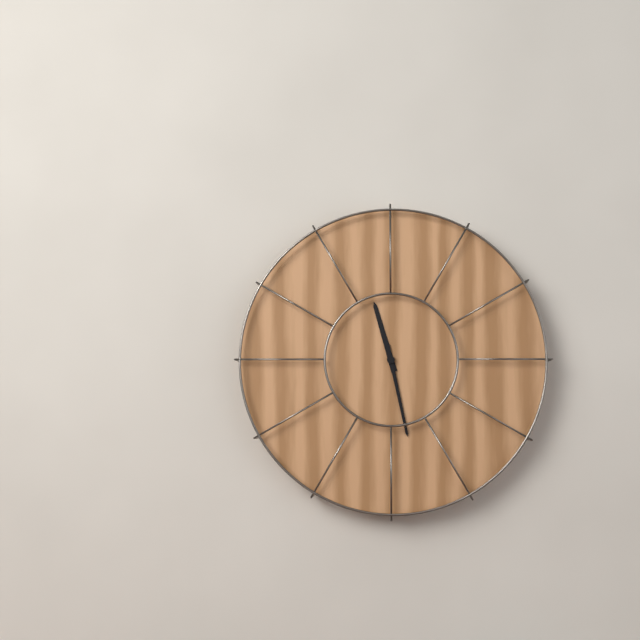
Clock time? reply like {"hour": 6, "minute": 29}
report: {"hour": 11, "minute": 28}
